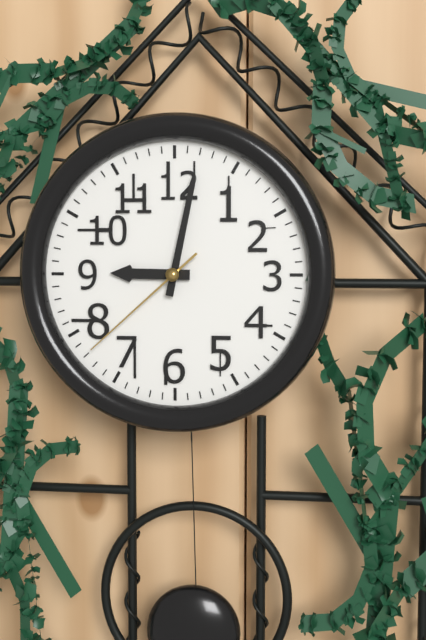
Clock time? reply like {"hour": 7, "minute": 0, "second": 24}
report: {"hour": 9, "minute": 2, "second": 38}
